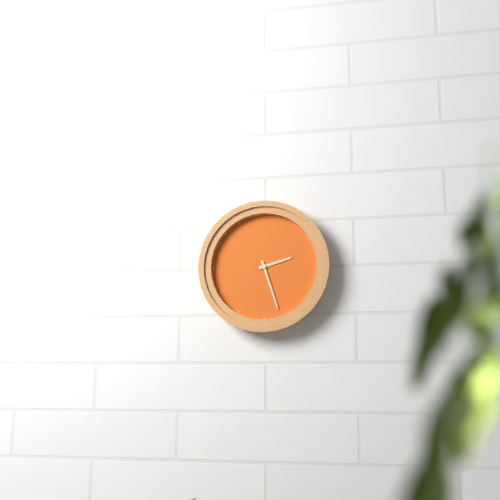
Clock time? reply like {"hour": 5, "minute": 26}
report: {"hour": 2, "minute": 27}
